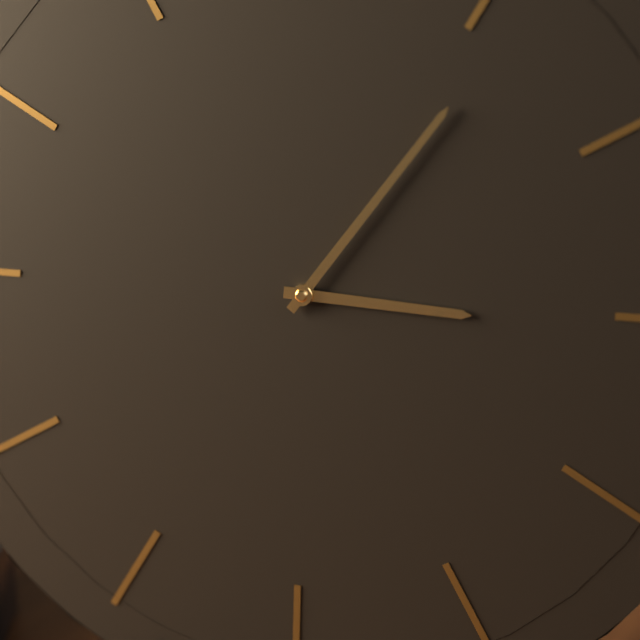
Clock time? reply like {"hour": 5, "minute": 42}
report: {"hour": 3, "minute": 6}
